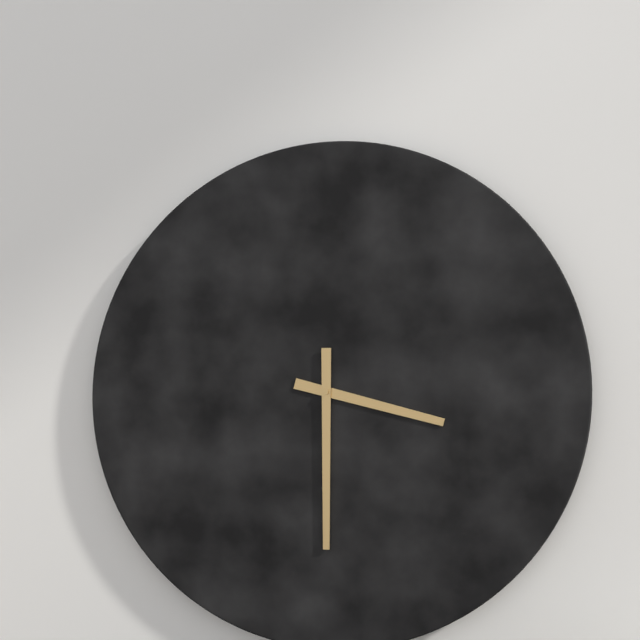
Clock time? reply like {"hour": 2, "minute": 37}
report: {"hour": 3, "minute": 30}
